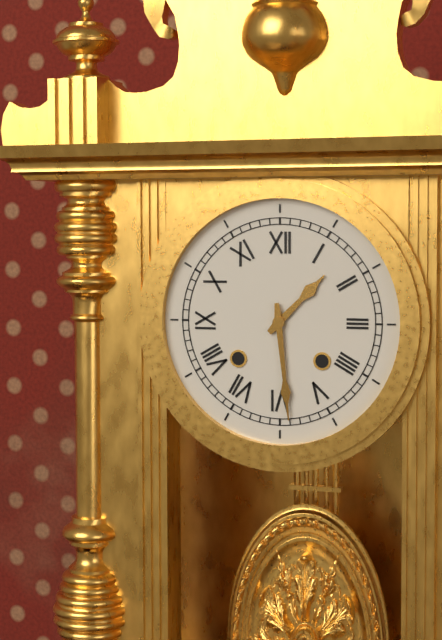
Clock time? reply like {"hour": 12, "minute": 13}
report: {"hour": 1, "minute": 29}
